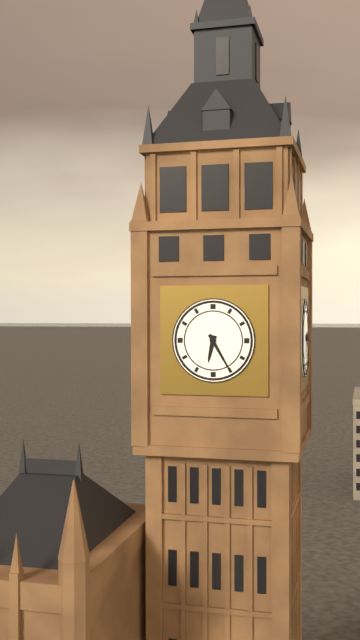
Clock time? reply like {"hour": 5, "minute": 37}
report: {"hour": 6, "minute": 25}
